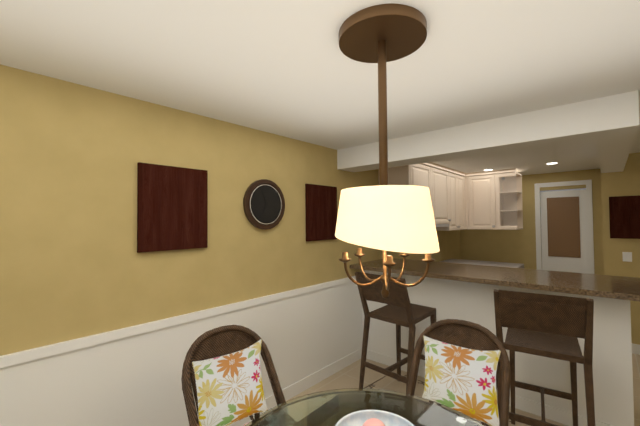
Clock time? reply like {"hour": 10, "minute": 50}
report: {"hour": 6, "minute": 56}
